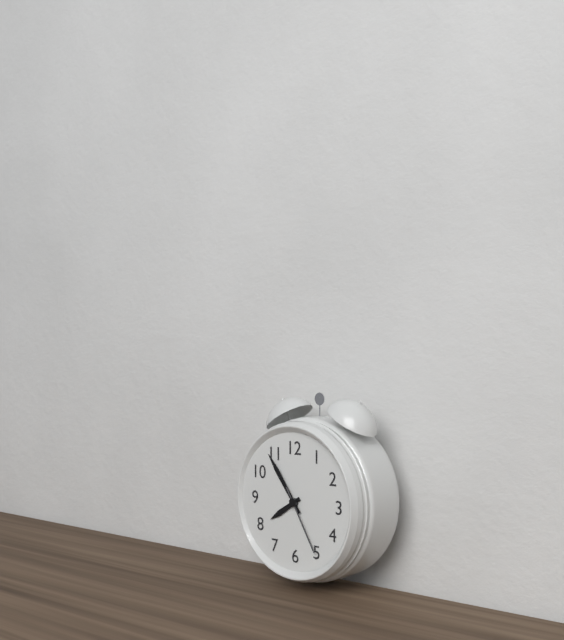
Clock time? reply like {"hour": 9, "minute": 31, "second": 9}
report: {"hour": 7, "minute": 54, "second": 25}
